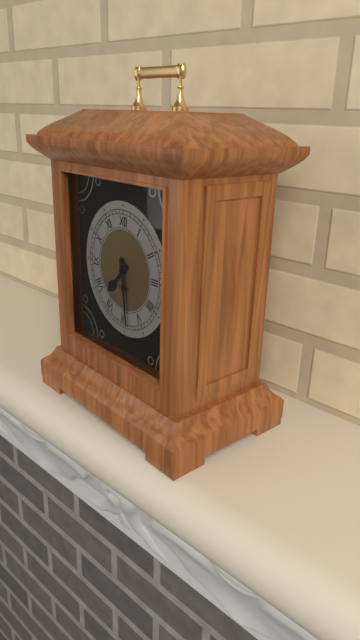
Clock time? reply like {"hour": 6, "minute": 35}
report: {"hour": 7, "minute": 29}
